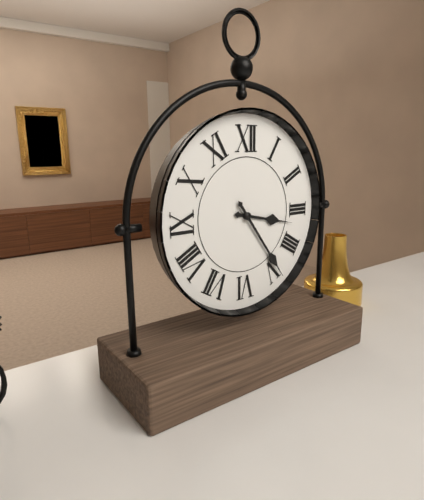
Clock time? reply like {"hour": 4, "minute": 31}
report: {"hour": 3, "minute": 24}
